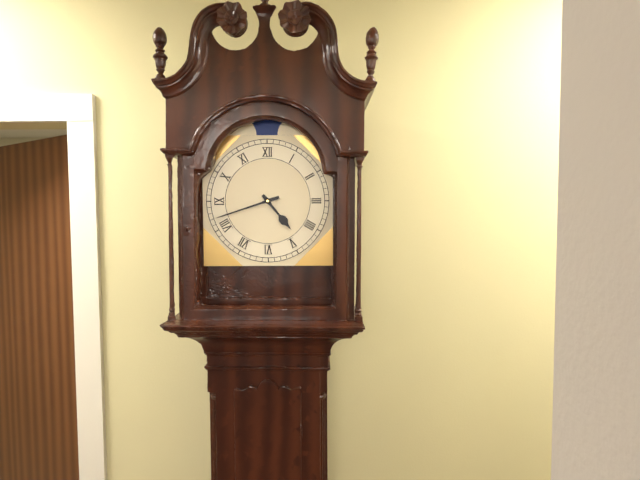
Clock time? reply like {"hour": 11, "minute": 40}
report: {"hour": 4, "minute": 42}
